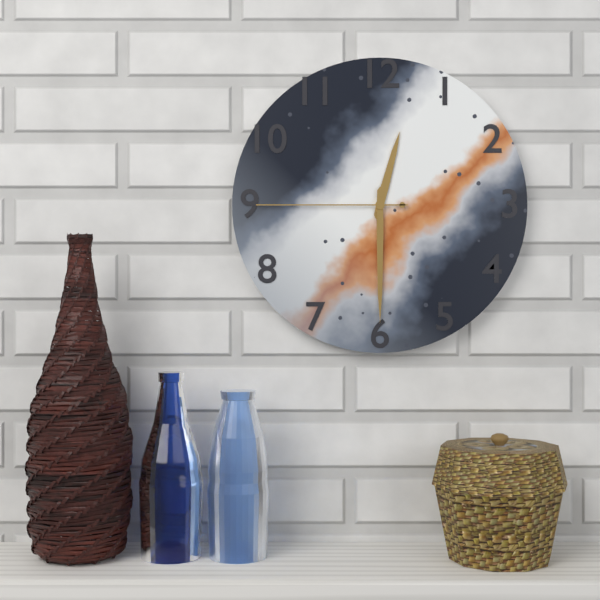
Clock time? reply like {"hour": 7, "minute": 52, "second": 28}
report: {"hour": 12, "minute": 30, "second": 45}
